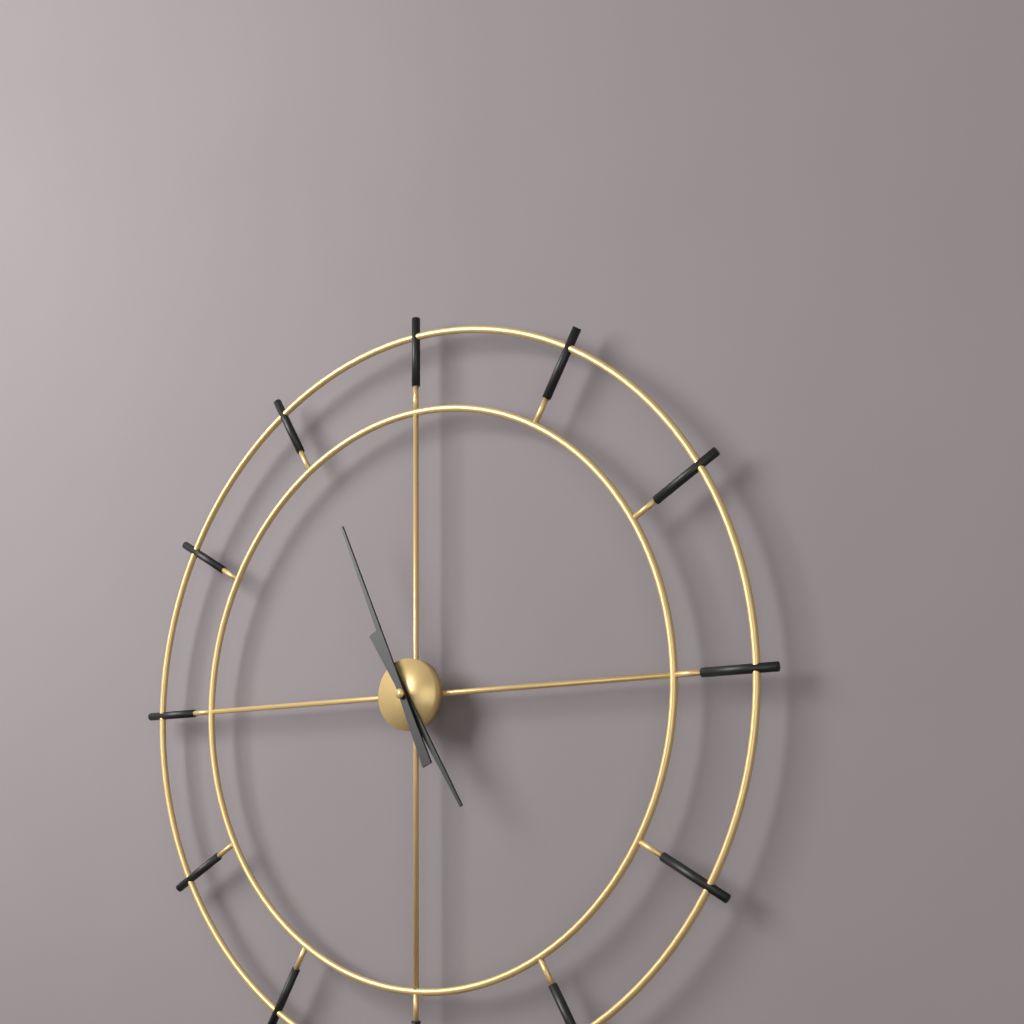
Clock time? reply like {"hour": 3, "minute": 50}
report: {"hour": 4, "minute": 56}
